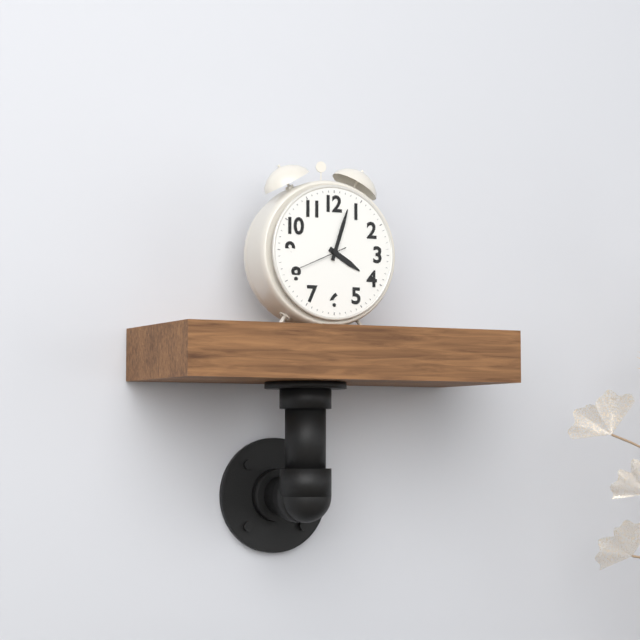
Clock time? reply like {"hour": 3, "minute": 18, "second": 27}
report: {"hour": 4, "minute": 3, "second": 41}
